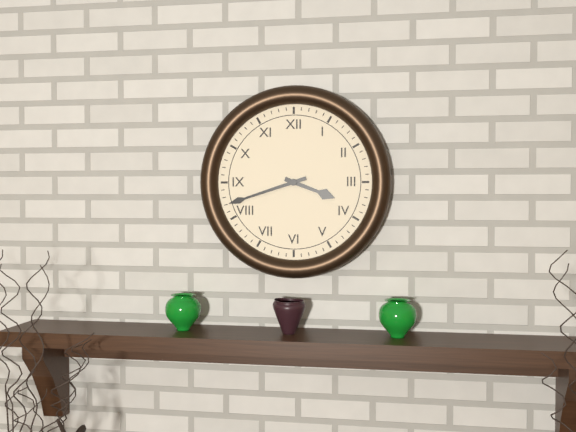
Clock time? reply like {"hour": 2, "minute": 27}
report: {"hour": 3, "minute": 42}
